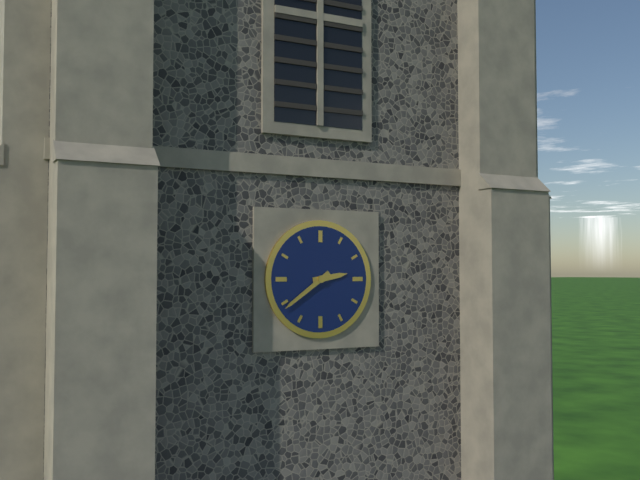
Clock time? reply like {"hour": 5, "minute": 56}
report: {"hour": 2, "minute": 39}
